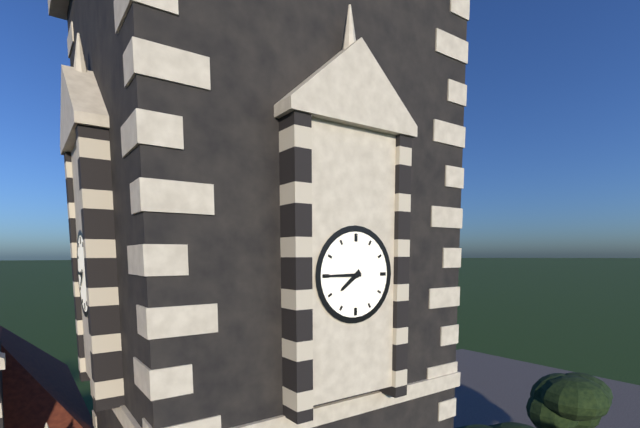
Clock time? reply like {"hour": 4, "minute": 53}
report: {"hour": 7, "minute": 45}
